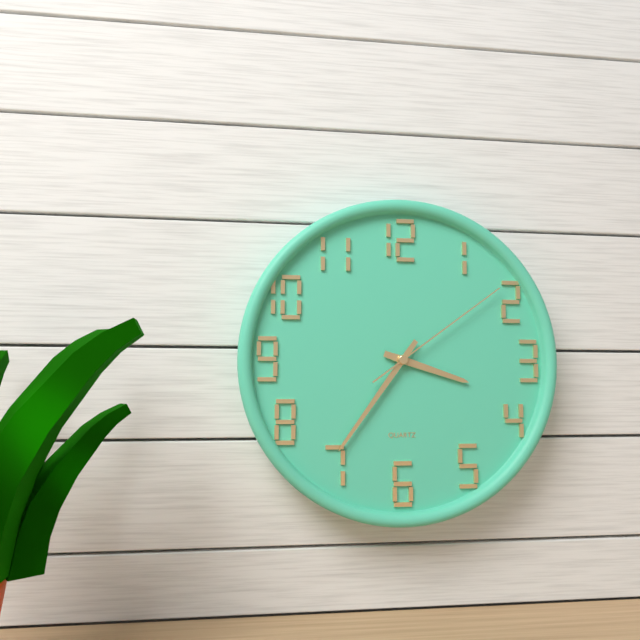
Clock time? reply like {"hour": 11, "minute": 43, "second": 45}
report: {"hour": 3, "minute": 36, "second": 9}
